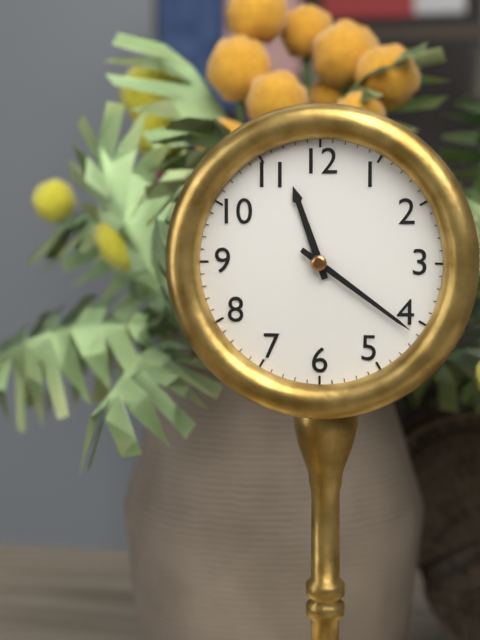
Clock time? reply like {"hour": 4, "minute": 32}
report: {"hour": 11, "minute": 21}
